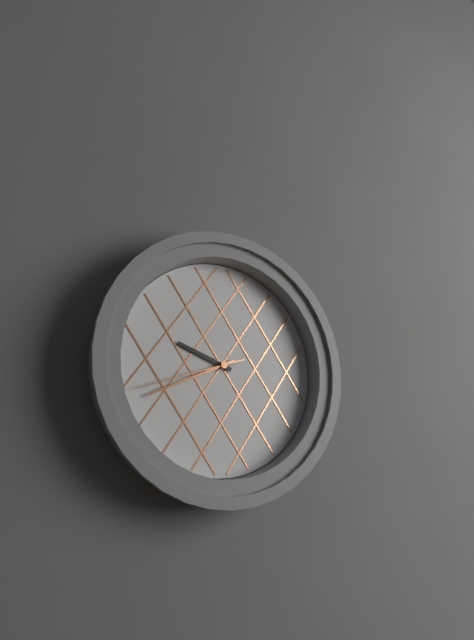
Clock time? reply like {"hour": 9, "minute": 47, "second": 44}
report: {"hour": 9, "minute": 41, "second": 42}
